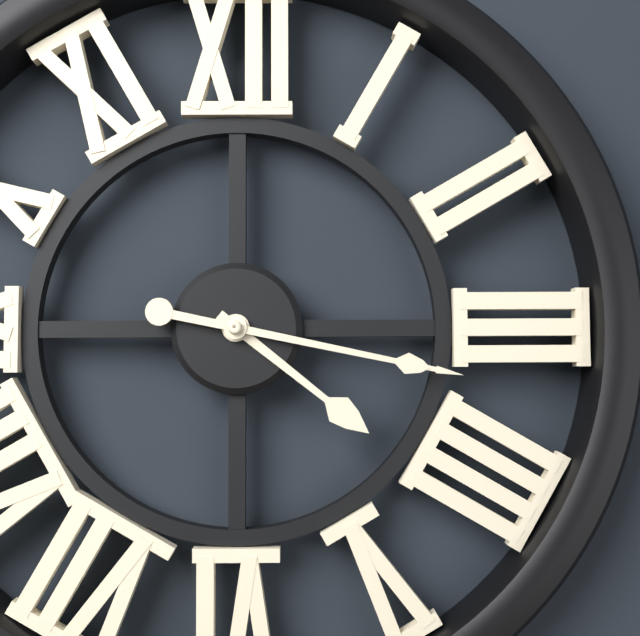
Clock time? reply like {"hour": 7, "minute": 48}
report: {"hour": 4, "minute": 17}
